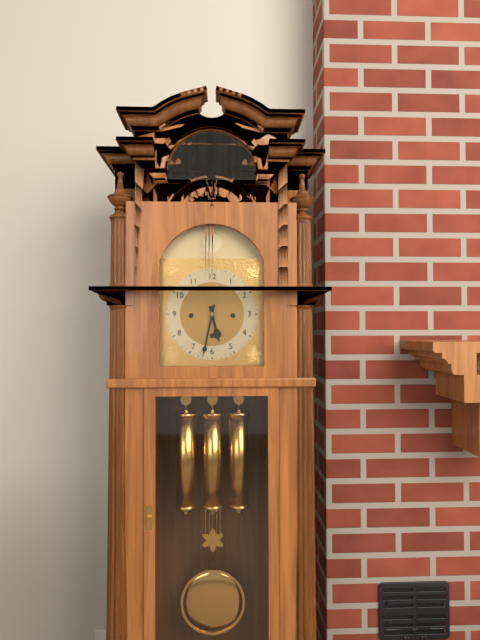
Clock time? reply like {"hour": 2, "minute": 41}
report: {"hour": 5, "minute": 32}
